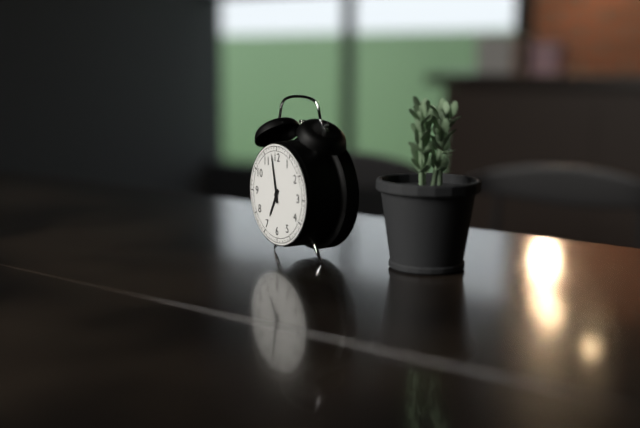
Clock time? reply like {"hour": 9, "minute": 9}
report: {"hour": 6, "minute": 58}
